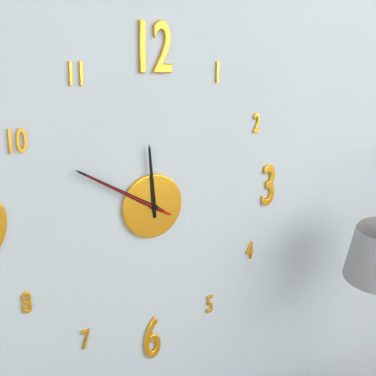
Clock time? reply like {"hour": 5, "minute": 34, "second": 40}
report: {"hour": 11, "minute": 50, "second": 50}
